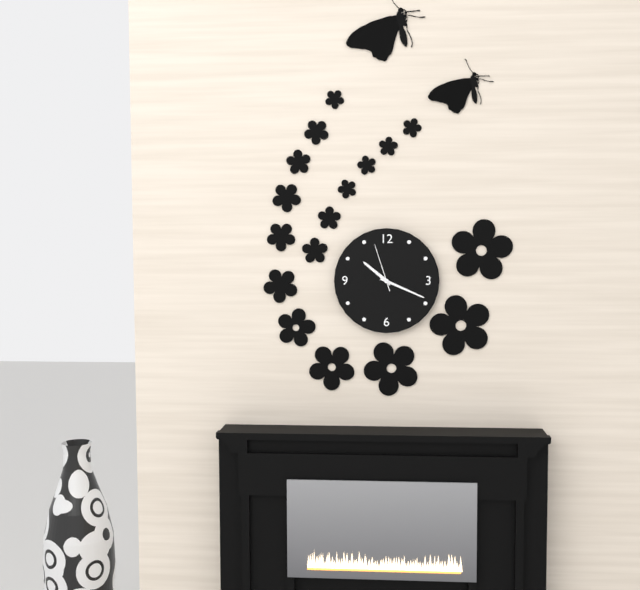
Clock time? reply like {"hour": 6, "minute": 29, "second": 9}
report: {"hour": 10, "minute": 19, "second": 57}
